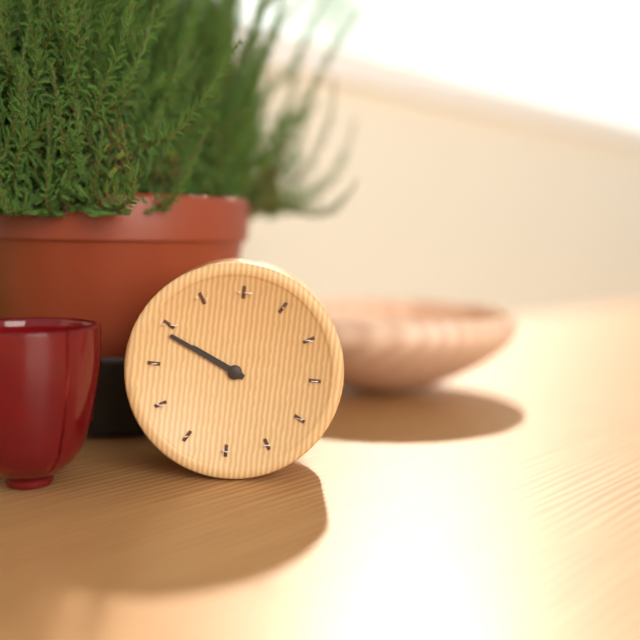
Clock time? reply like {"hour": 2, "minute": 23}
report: {"hour": 9, "minute": 49}
